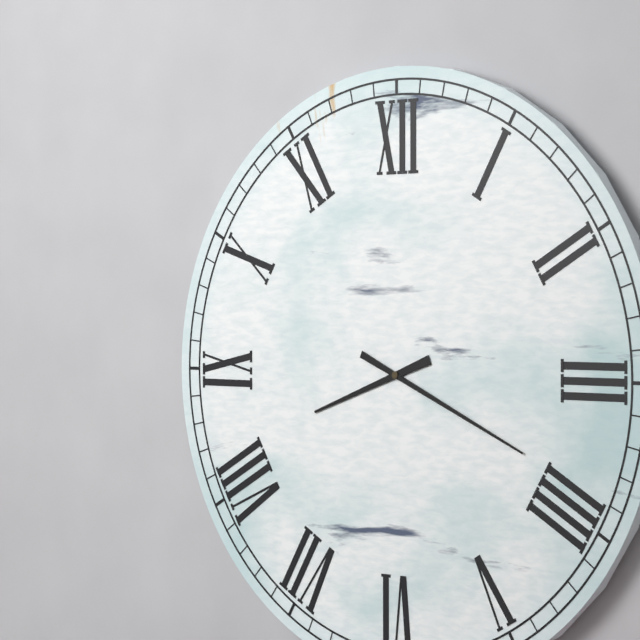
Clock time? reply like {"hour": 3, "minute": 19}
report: {"hour": 8, "minute": 19}
